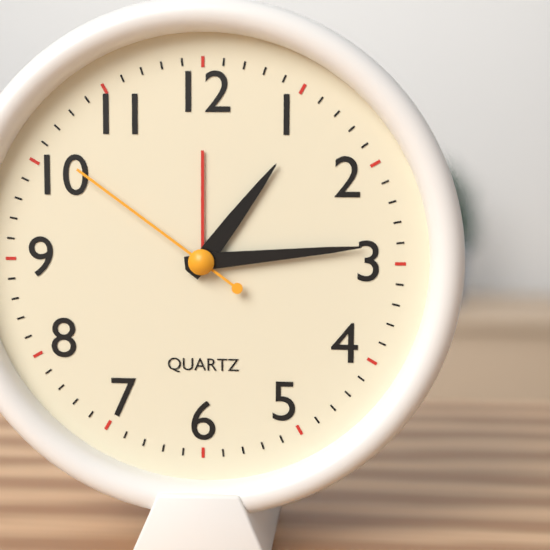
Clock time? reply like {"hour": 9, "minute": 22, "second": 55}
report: {"hour": 1, "minute": 14, "second": 51}
